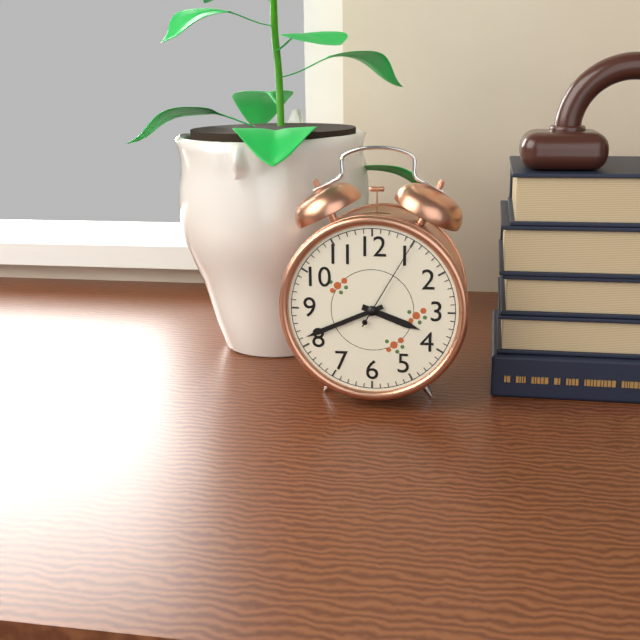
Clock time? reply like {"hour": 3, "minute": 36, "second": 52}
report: {"hour": 3, "minute": 41, "second": 5}
